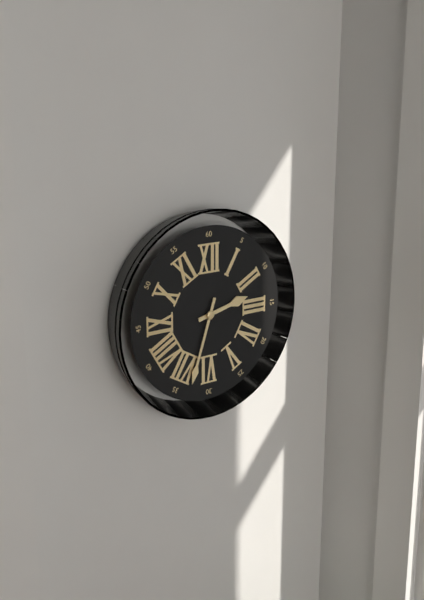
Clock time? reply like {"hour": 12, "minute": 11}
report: {"hour": 2, "minute": 33}
